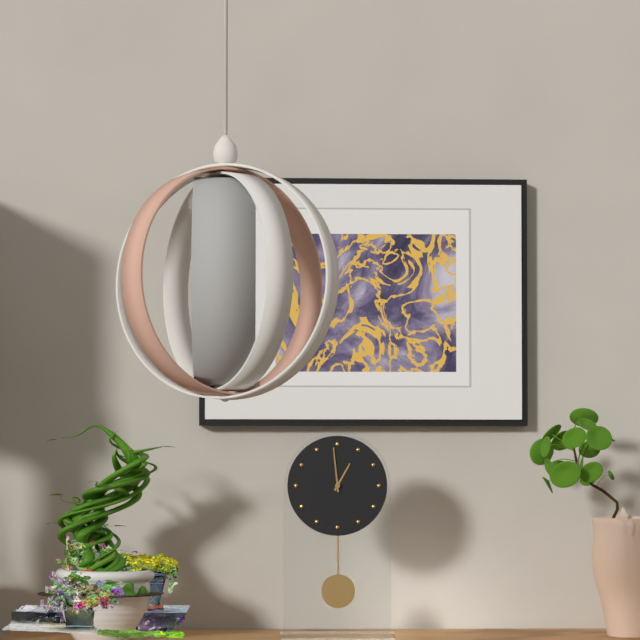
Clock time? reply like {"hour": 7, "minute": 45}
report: {"hour": 12, "minute": 59}
